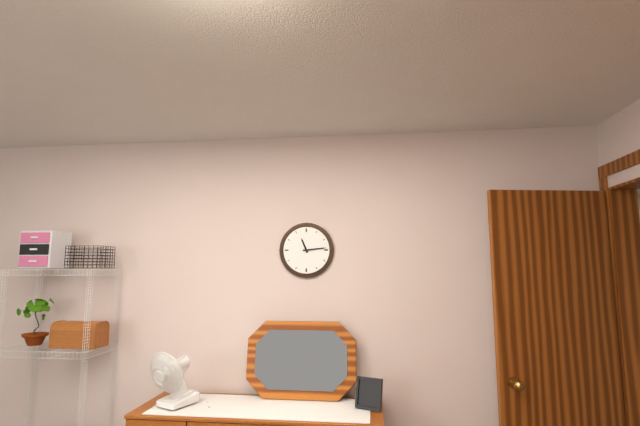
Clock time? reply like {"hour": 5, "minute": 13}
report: {"hour": 11, "minute": 14}
